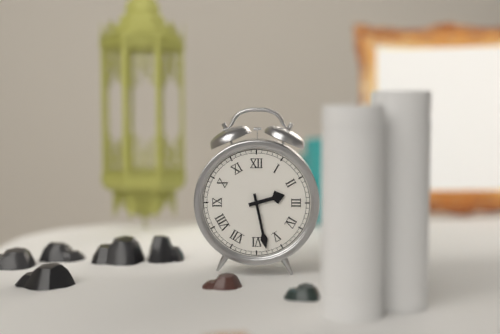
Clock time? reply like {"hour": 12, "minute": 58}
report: {"hour": 2, "minute": 28}
